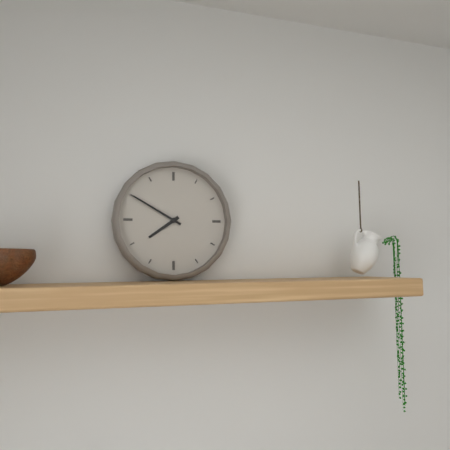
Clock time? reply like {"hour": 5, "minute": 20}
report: {"hour": 7, "minute": 50}
